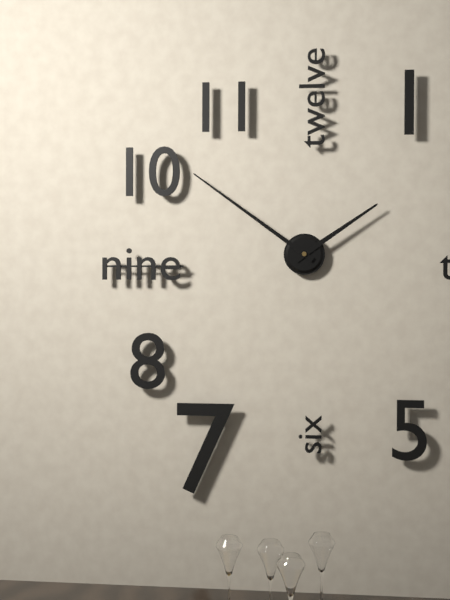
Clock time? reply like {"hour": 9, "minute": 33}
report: {"hour": 1, "minute": 51}
